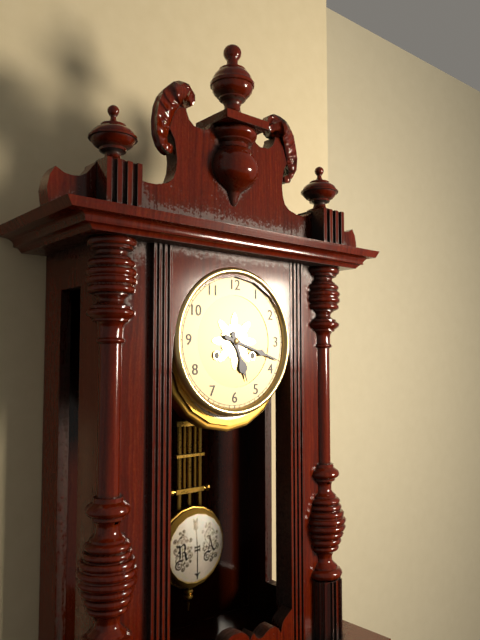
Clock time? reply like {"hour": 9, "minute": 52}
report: {"hour": 5, "minute": 18}
